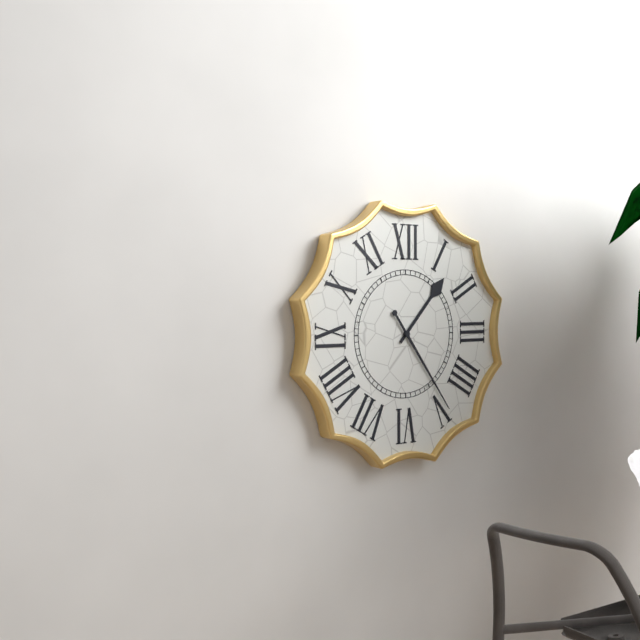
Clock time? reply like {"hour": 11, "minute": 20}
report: {"hour": 1, "minute": 24}
